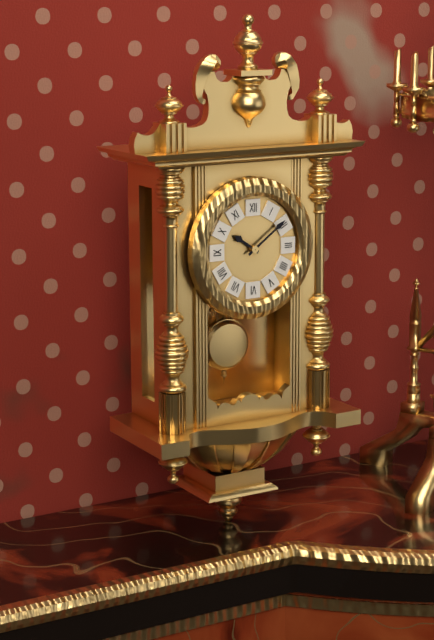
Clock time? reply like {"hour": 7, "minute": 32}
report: {"hour": 10, "minute": 9}
